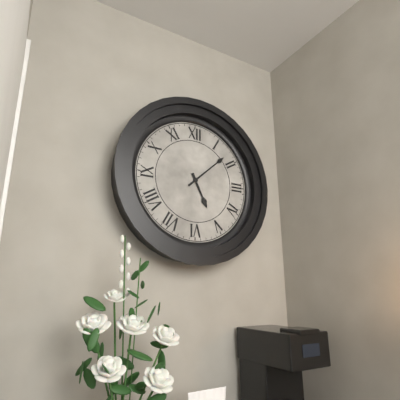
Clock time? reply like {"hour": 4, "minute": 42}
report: {"hour": 5, "minute": 8}
